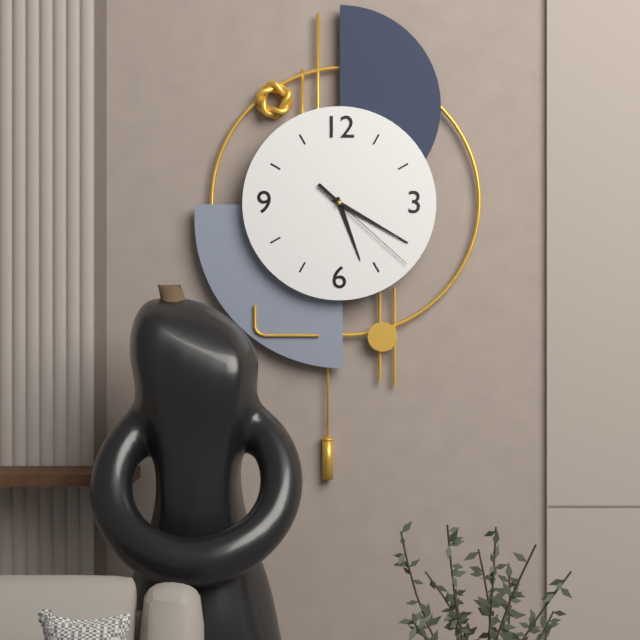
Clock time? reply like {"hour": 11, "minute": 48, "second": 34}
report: {"hour": 5, "minute": 20, "second": 22}
